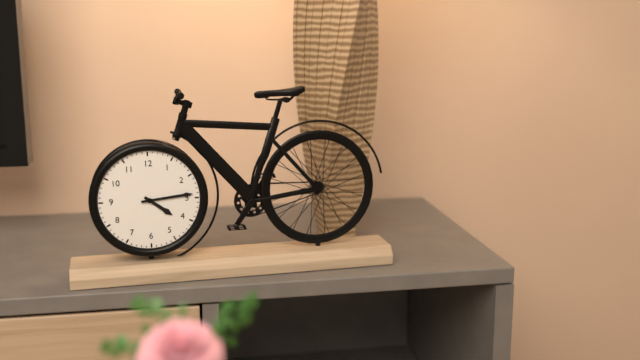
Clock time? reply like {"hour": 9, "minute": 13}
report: {"hour": 4, "minute": 14}
